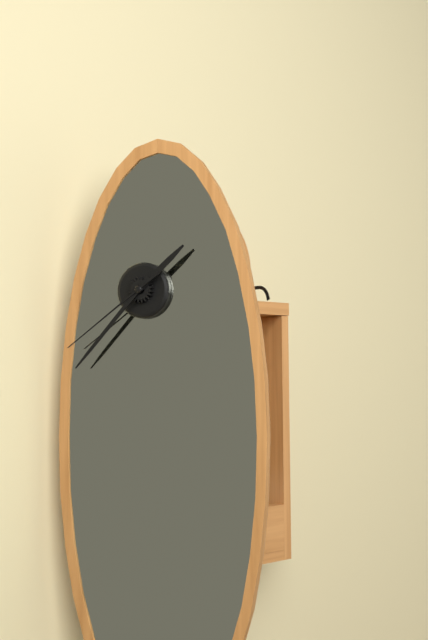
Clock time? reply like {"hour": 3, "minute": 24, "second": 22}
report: {"hour": 1, "minute": 37, "second": 39}
